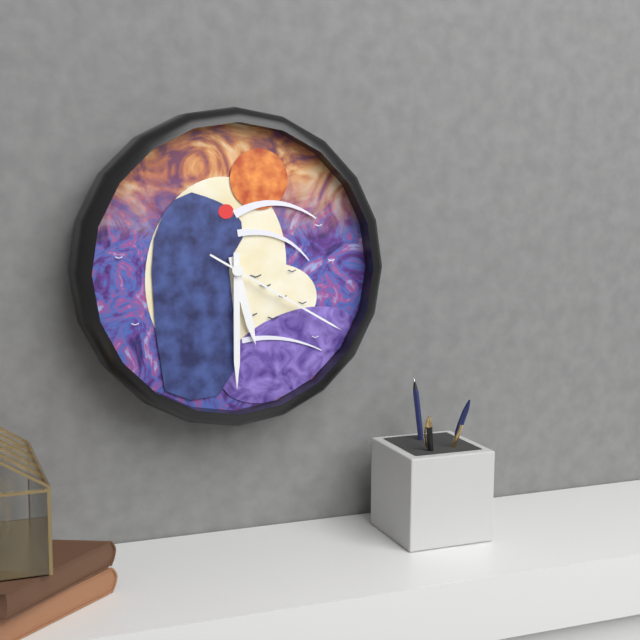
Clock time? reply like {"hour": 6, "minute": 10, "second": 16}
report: {"hour": 5, "minute": 30, "second": 20}
